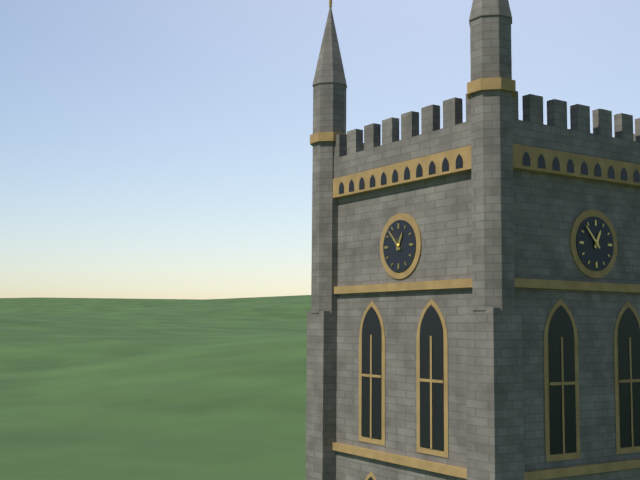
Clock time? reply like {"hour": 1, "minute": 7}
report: {"hour": 12, "minute": 53}
